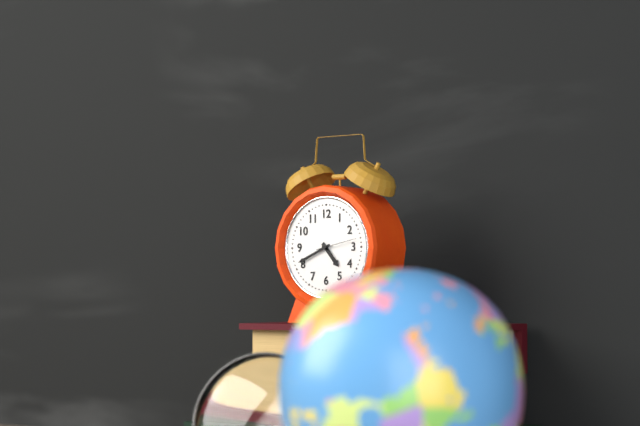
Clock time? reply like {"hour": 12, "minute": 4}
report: {"hour": 4, "minute": 41}
